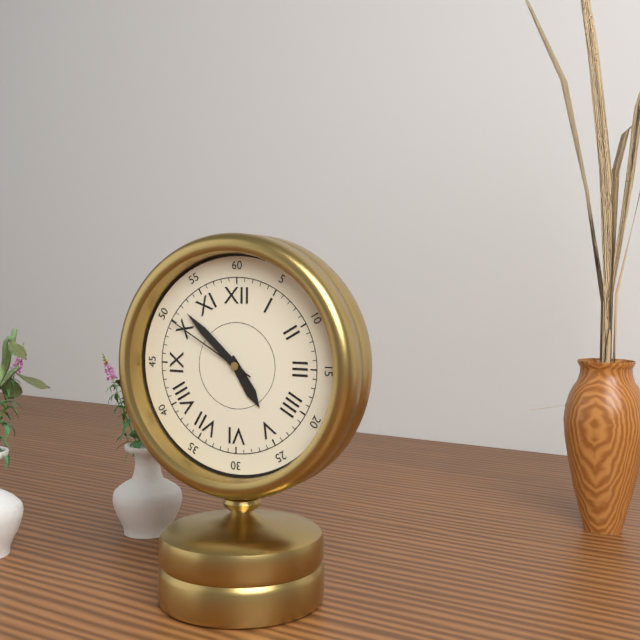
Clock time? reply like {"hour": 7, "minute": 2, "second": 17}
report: {"hour": 4, "minute": 52, "second": 50}
